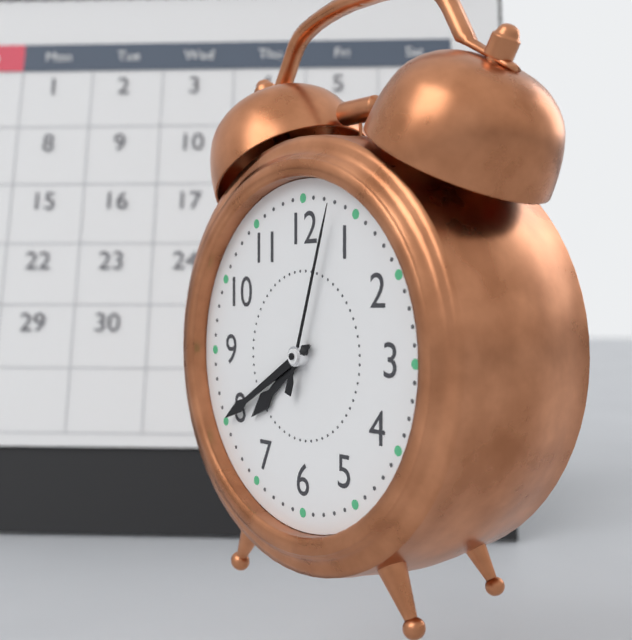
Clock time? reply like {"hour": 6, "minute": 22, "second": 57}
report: {"hour": 7, "minute": 40, "second": 3}
